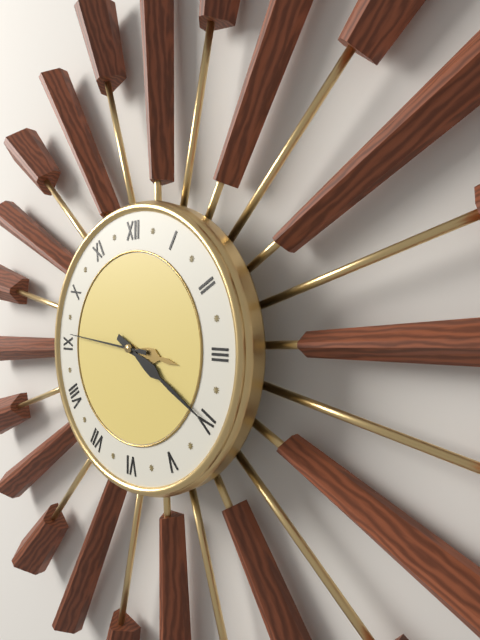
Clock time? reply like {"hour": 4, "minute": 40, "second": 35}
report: {"hour": 3, "minute": 20, "second": 46}
